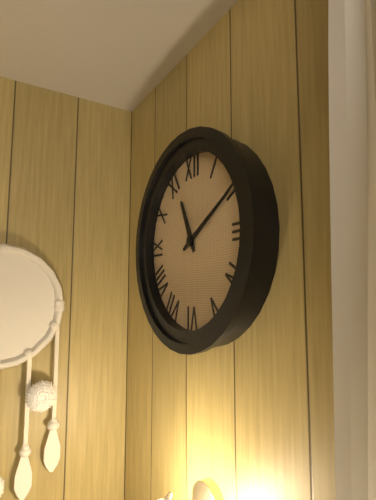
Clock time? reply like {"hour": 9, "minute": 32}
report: {"hour": 11, "minute": 10}
